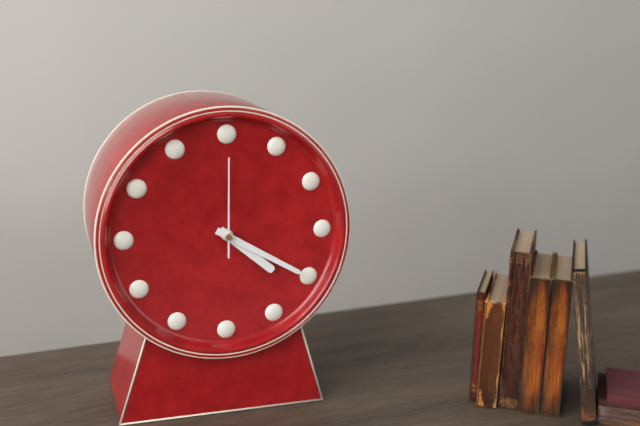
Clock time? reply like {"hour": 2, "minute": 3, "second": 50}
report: {"hour": 4, "minute": 20, "second": 0}
